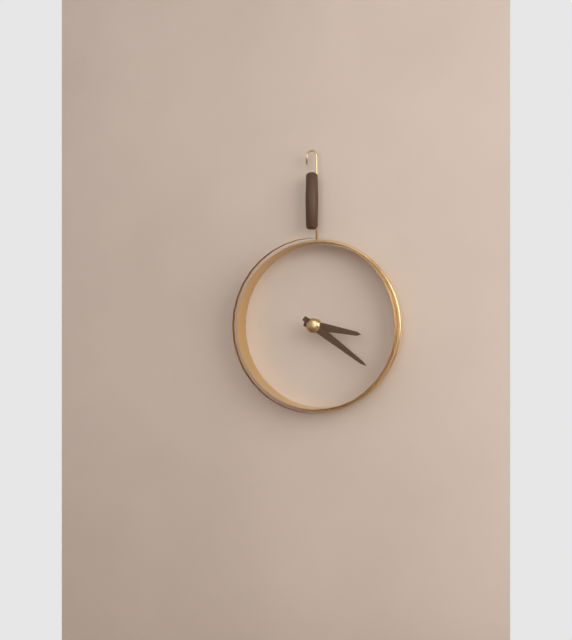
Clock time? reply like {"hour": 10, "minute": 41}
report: {"hour": 3, "minute": 21}
